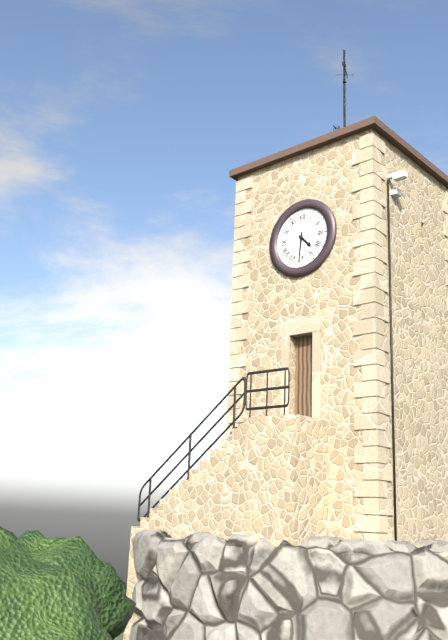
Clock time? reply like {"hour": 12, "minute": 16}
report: {"hour": 4, "minute": 31}
